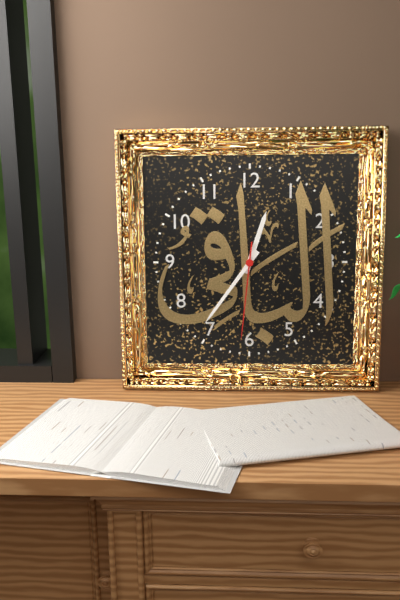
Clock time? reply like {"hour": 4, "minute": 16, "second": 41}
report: {"hour": 12, "minute": 36, "second": 31}
